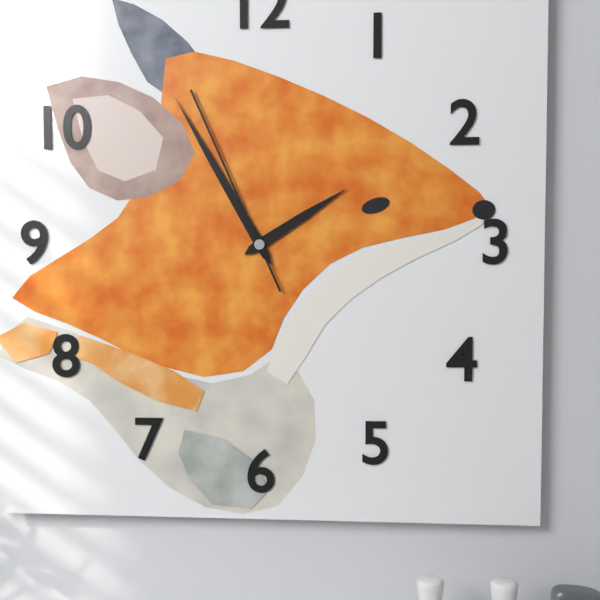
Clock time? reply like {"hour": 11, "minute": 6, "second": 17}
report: {"hour": 1, "minute": 55, "second": 56}
